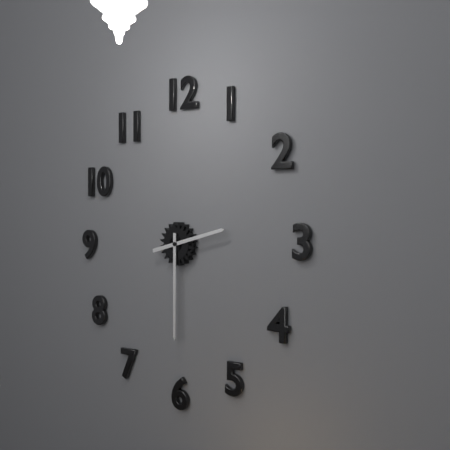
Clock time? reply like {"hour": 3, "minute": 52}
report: {"hour": 2, "minute": 30}
